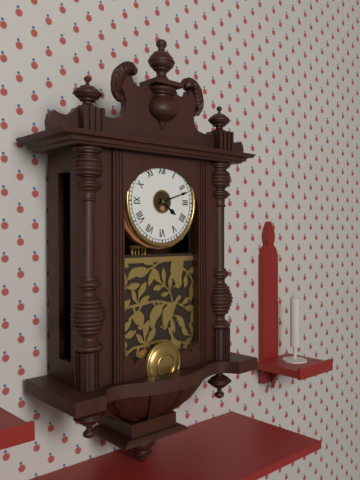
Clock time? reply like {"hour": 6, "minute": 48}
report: {"hour": 4, "minute": 12}
